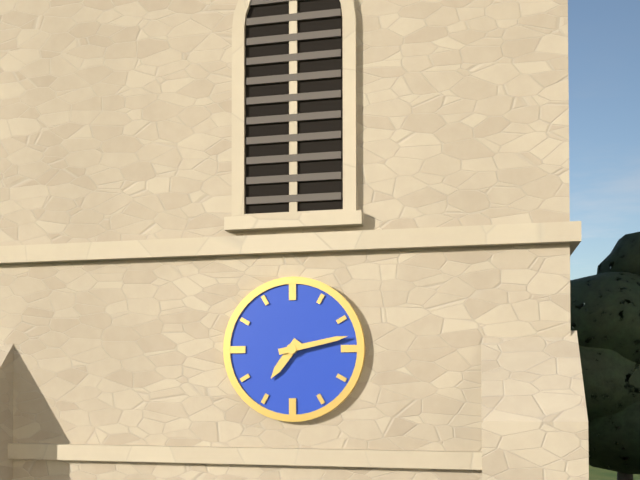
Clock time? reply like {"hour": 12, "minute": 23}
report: {"hour": 7, "minute": 13}
